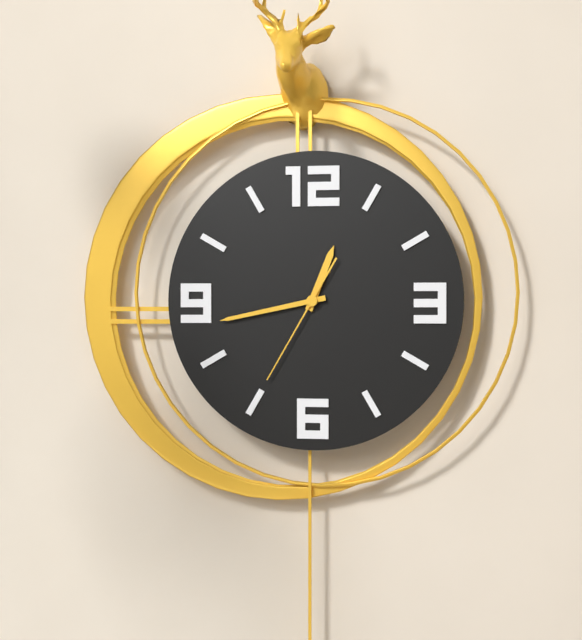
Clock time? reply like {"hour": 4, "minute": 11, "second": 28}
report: {"hour": 12, "minute": 43, "second": 35}
